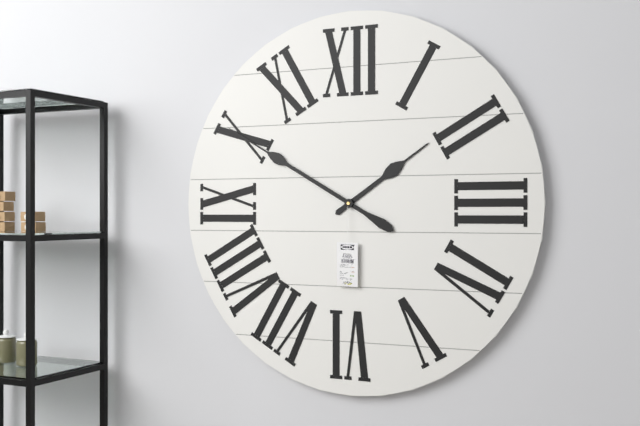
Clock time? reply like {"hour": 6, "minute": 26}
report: {"hour": 1, "minute": 50}
